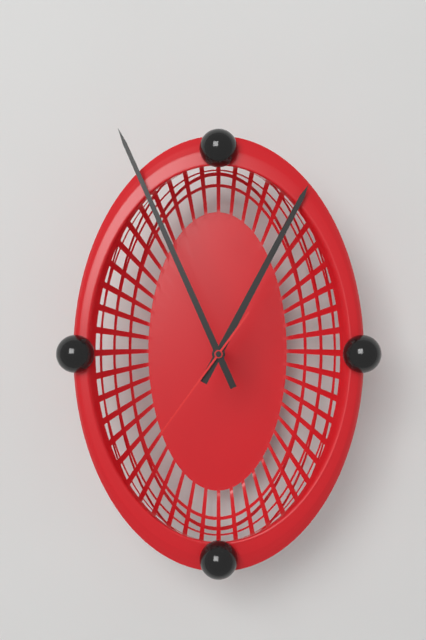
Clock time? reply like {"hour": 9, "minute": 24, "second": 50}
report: {"hour": 12, "minute": 56, "second": 36}
